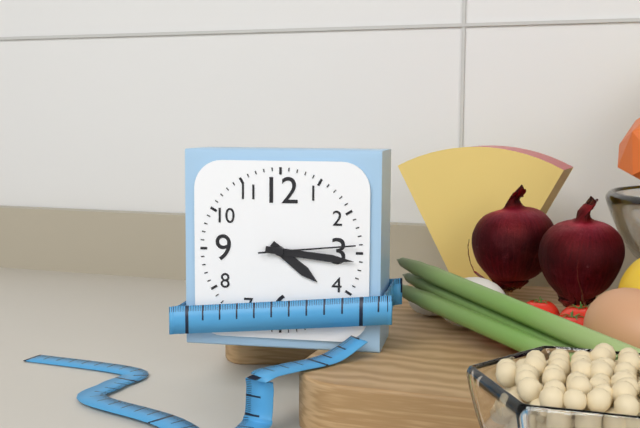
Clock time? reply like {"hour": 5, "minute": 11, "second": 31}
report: {"hour": 4, "minute": 16, "second": 14}
